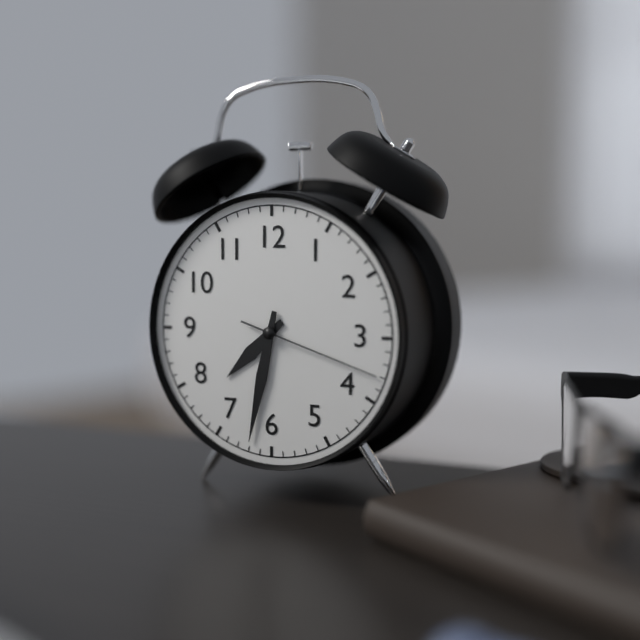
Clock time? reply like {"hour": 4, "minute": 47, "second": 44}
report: {"hour": 7, "minute": 32, "second": 18}
